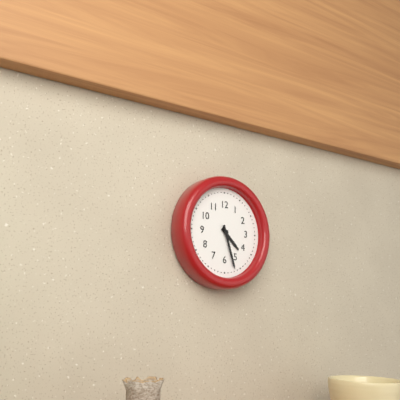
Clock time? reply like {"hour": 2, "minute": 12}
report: {"hour": 4, "minute": 27}
